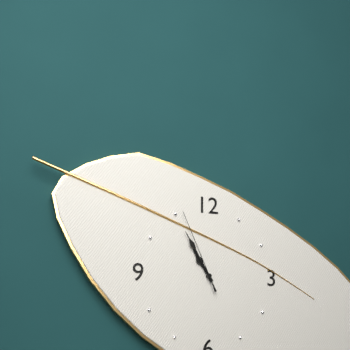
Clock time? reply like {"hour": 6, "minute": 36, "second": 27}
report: {"hour": 10, "minute": 55, "second": 56}
